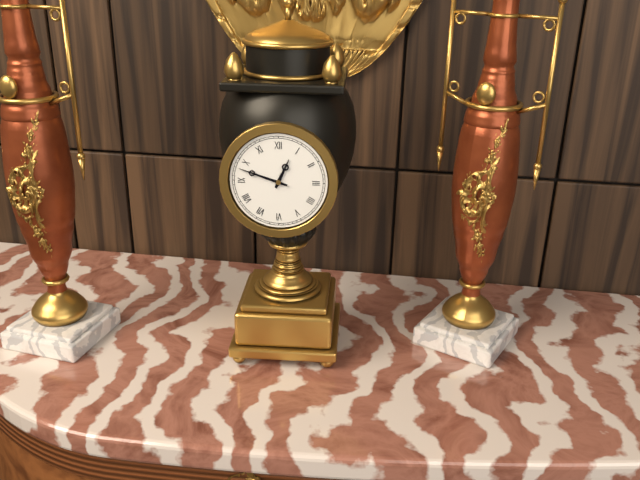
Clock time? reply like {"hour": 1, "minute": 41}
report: {"hour": 12, "minute": 48}
